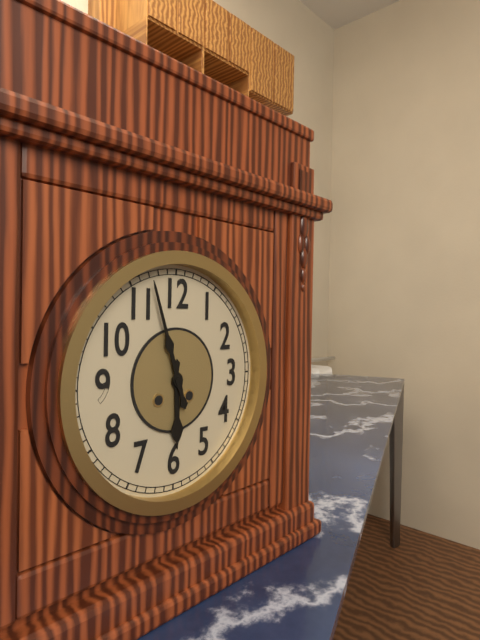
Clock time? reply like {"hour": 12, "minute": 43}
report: {"hour": 5, "minute": 57}
